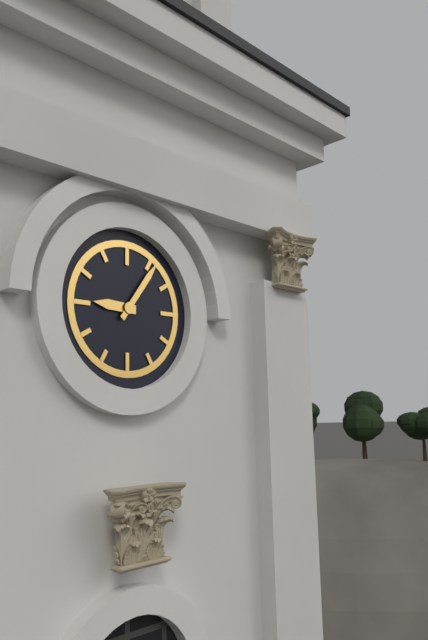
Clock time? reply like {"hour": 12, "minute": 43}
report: {"hour": 9, "minute": 6}
